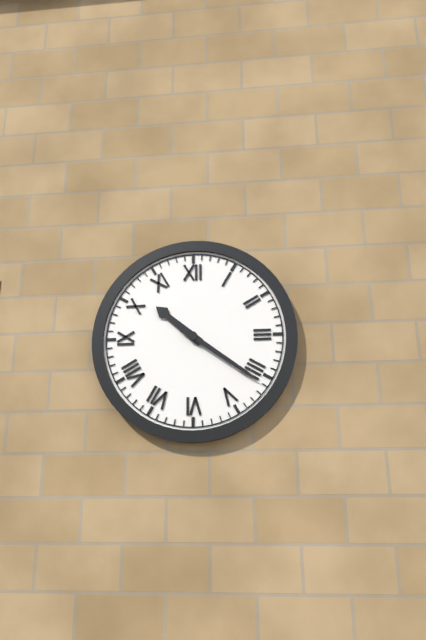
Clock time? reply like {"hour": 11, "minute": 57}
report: {"hour": 10, "minute": 21}
